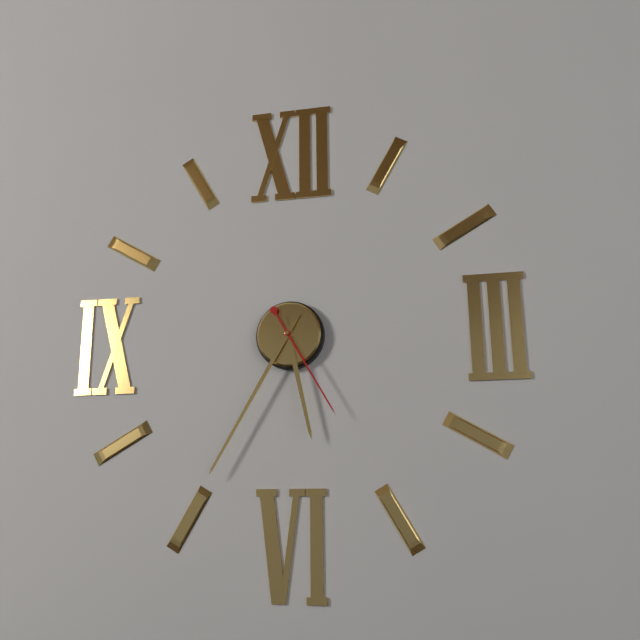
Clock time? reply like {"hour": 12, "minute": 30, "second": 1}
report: {"hour": 5, "minute": 35, "second": 25}
